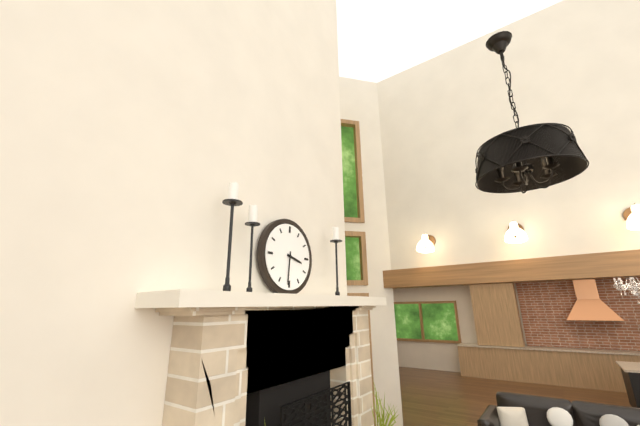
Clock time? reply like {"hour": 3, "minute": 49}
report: {"hour": 3, "minute": 31}
